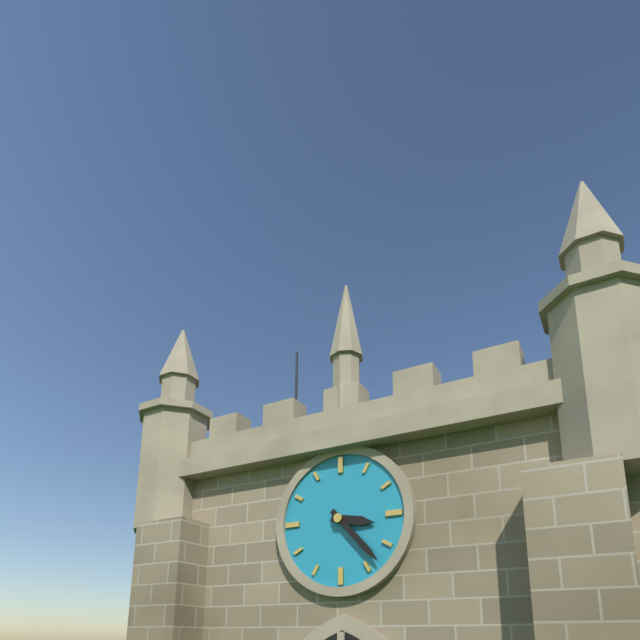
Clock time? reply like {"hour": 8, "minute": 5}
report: {"hour": 3, "minute": 23}
